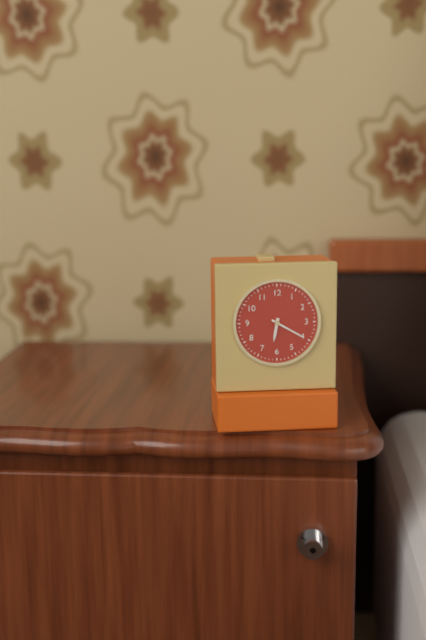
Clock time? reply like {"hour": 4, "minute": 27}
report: {"hour": 6, "minute": 20}
